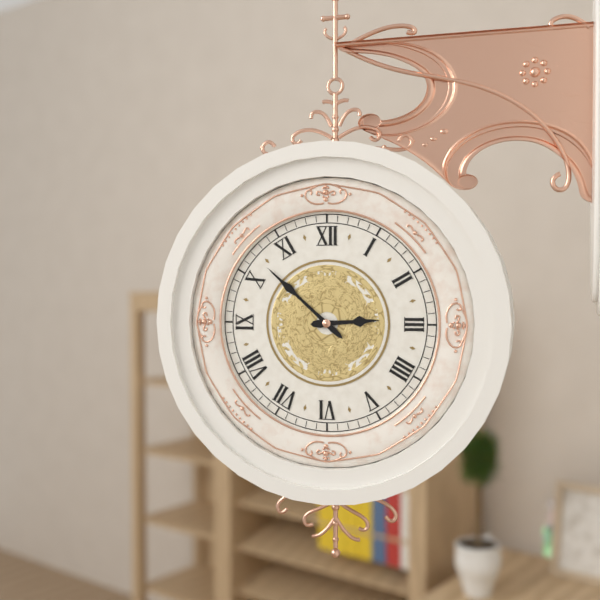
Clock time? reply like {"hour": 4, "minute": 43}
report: {"hour": 2, "minute": 52}
